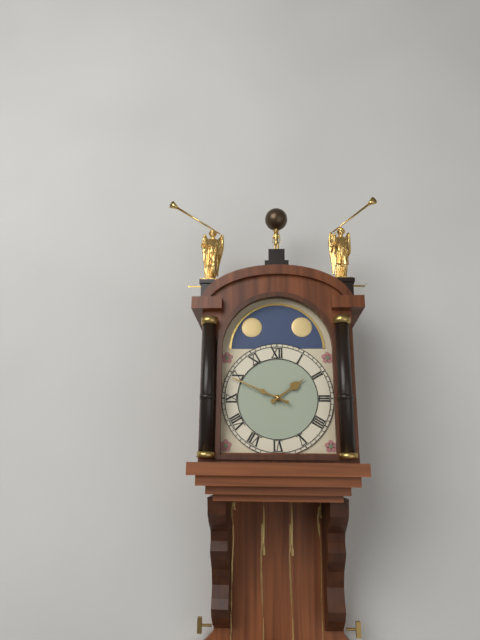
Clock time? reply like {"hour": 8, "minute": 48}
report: {"hour": 1, "minute": 49}
